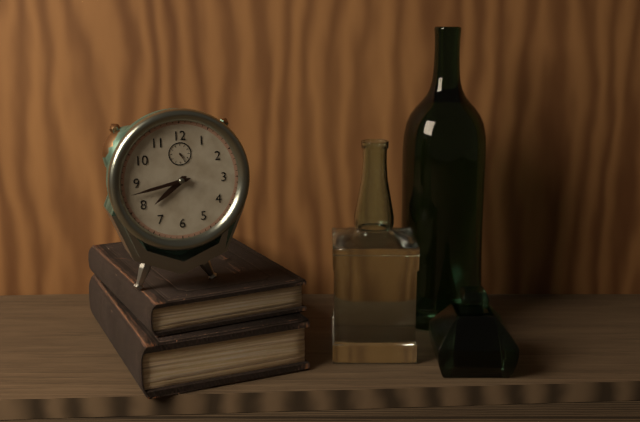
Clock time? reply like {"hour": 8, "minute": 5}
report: {"hour": 7, "minute": 43}
